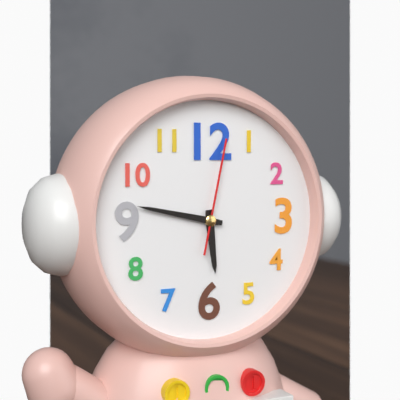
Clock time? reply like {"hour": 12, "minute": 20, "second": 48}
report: {"hour": 5, "minute": 47, "second": 2}
